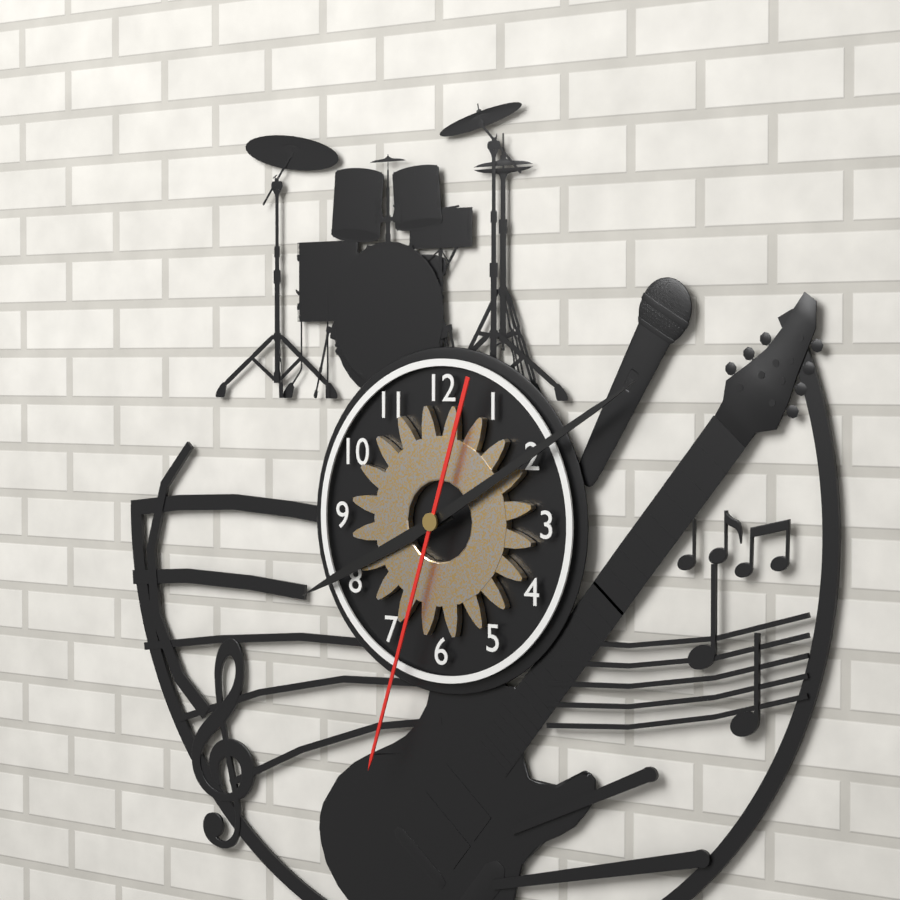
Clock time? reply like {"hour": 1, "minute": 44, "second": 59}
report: {"hour": 8, "minute": 10, "second": 33}
